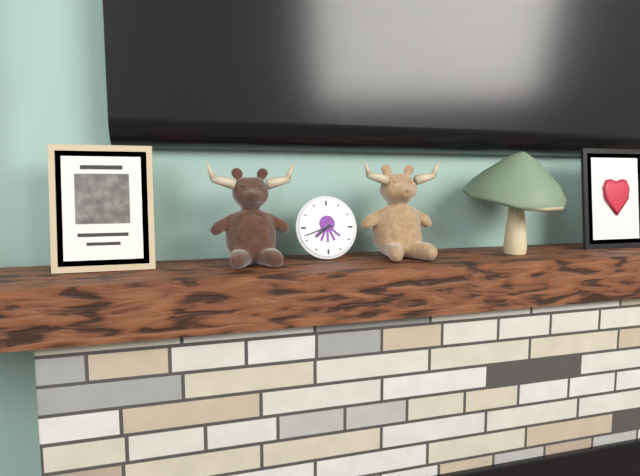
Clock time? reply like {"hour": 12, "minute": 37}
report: {"hour": 7, "minute": 42}
